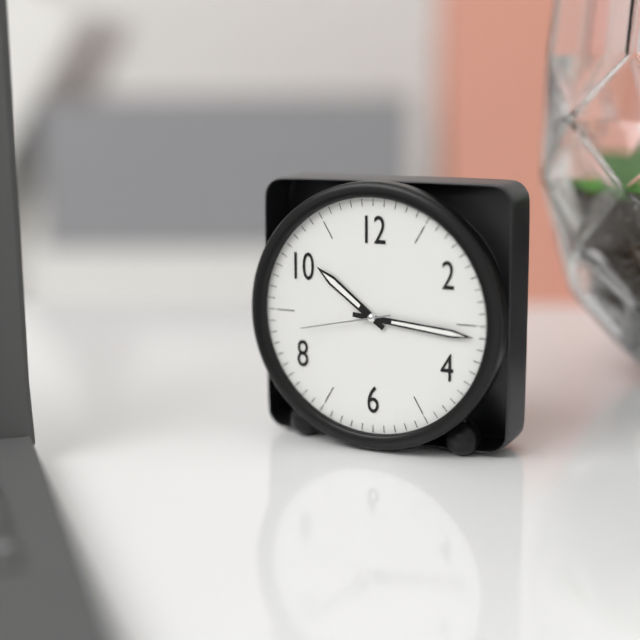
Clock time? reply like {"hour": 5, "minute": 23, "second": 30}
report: {"hour": 10, "minute": 16, "second": 43}
